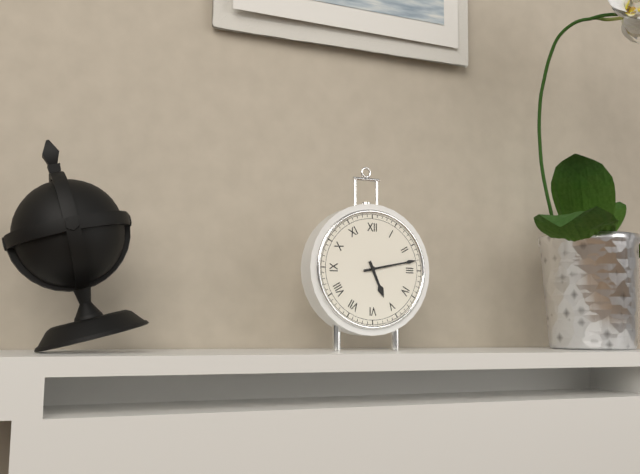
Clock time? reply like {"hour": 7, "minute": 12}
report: {"hour": 5, "minute": 13}
